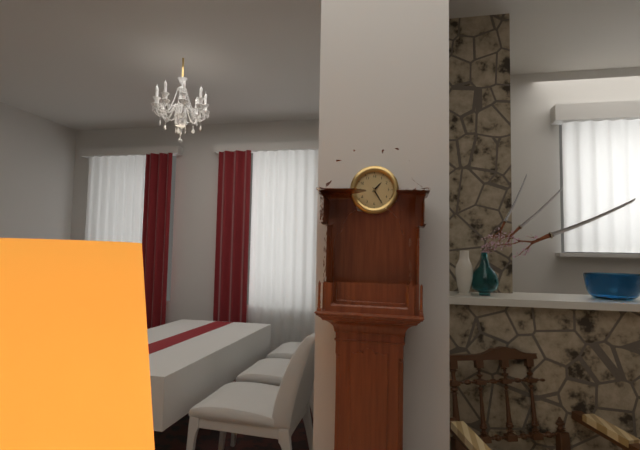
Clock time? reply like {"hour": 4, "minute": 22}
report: {"hour": 1, "minute": 25}
